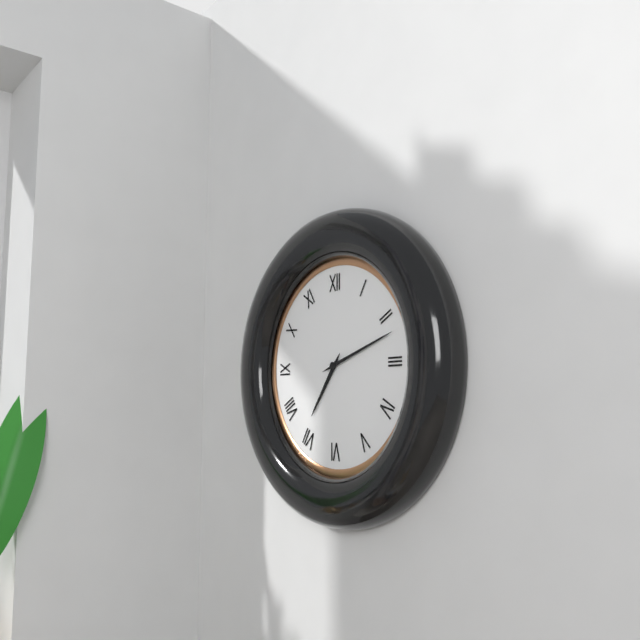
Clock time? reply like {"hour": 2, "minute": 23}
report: {"hour": 7, "minute": 12}
